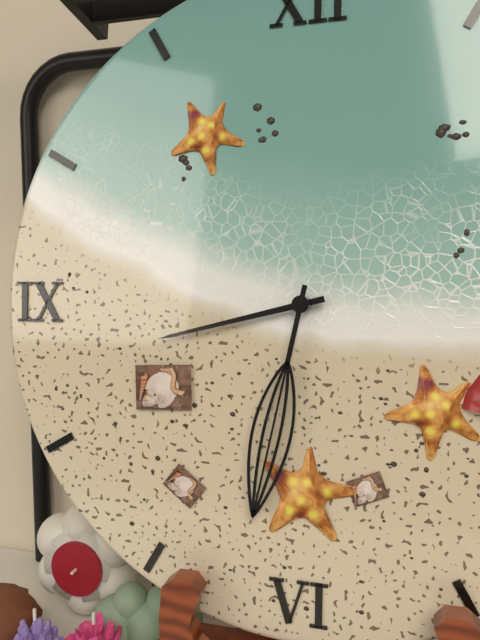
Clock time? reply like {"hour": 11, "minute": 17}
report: {"hour": 8, "minute": 32}
